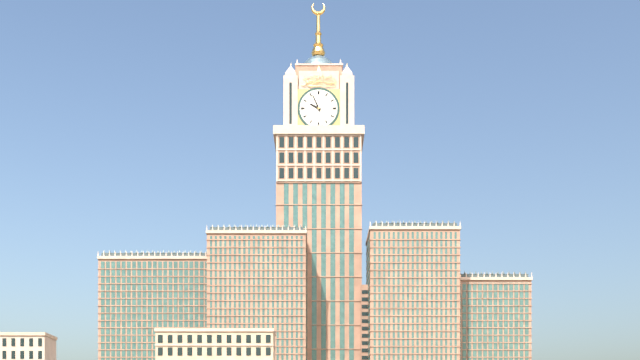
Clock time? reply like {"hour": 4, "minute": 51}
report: {"hour": 9, "minute": 56}
